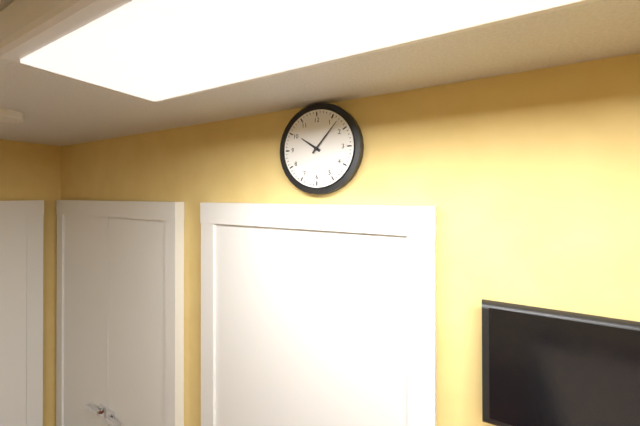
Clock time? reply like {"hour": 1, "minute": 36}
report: {"hour": 10, "minute": 7}
